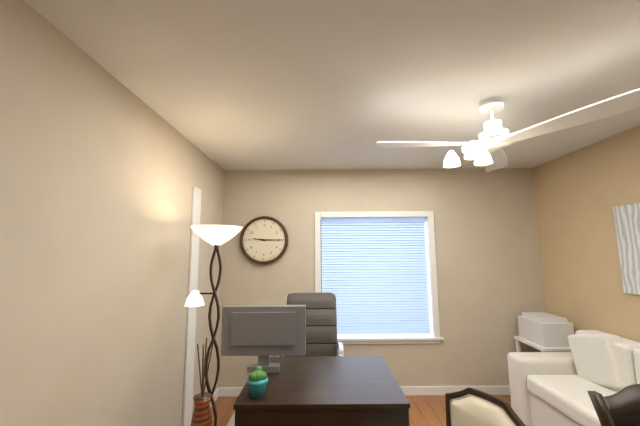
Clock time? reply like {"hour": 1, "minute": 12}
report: {"hour": 9, "minute": 15}
